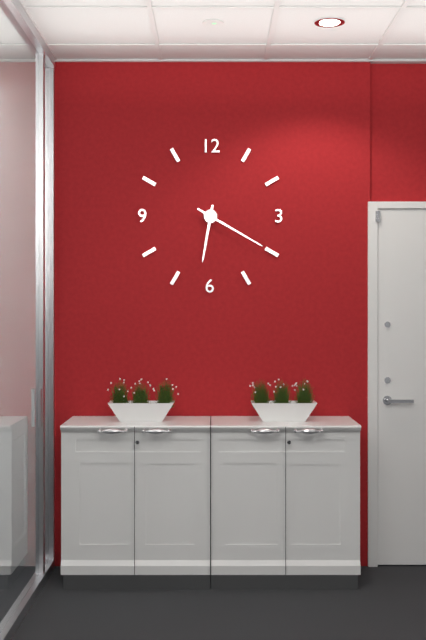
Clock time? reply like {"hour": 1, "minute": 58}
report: {"hour": 6, "minute": 20}
